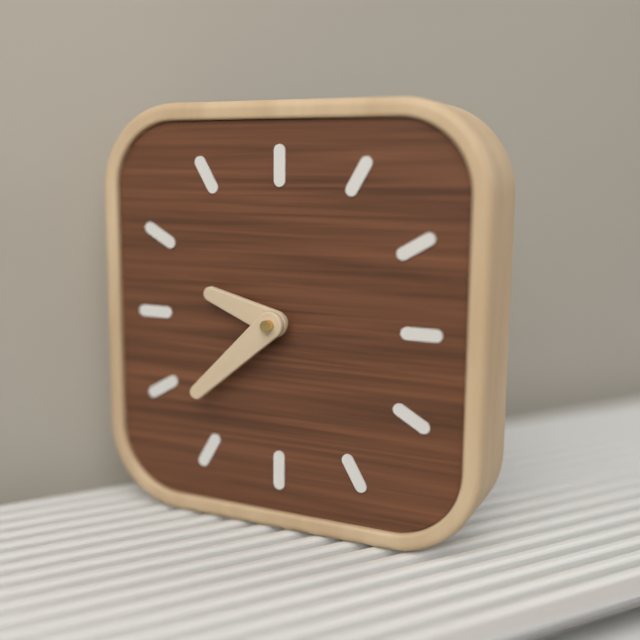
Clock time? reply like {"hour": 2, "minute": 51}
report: {"hour": 9, "minute": 38}
